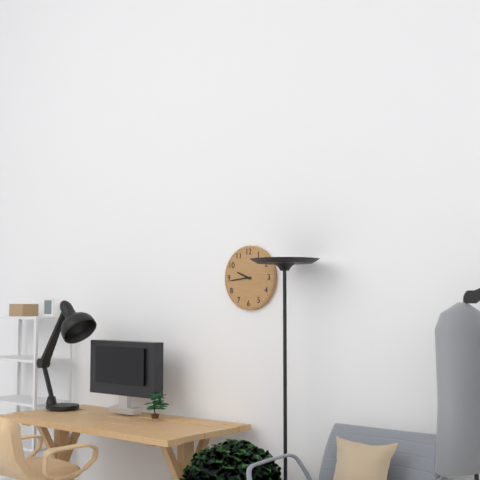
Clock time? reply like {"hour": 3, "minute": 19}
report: {"hour": 9, "minute": 44}
